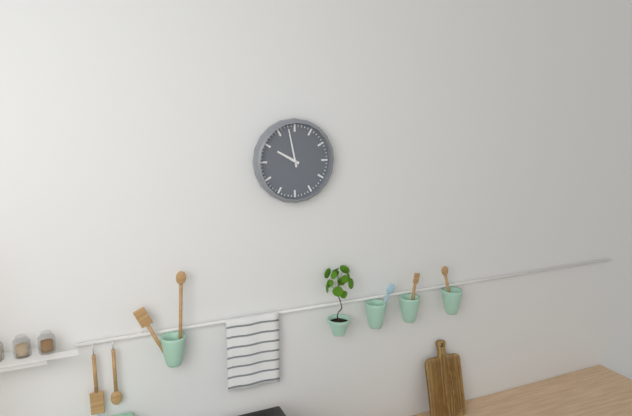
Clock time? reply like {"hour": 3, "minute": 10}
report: {"hour": 9, "minute": 58}
